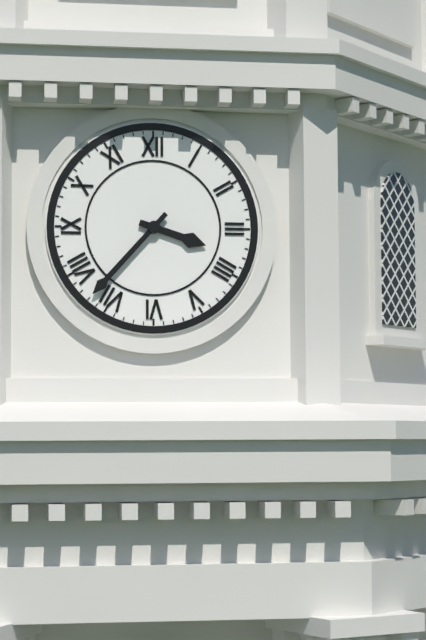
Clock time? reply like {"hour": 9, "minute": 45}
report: {"hour": 3, "minute": 37}
